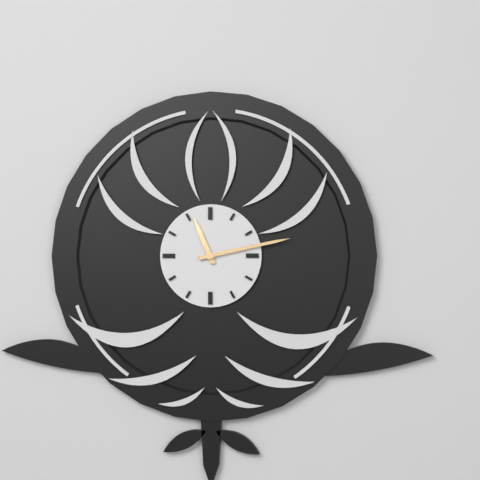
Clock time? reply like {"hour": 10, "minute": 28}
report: {"hour": 11, "minute": 13}
